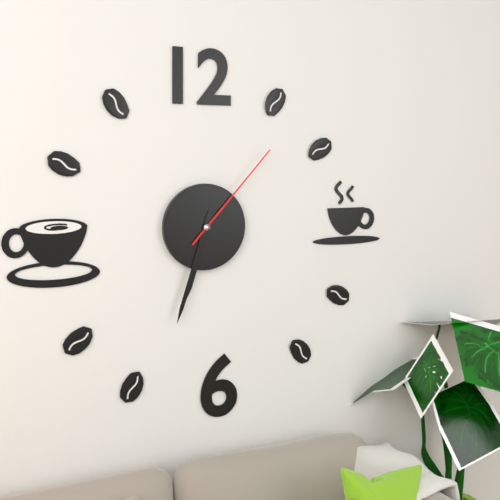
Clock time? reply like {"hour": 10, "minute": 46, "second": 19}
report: {"hour": 6, "minute": 33, "second": 7}
